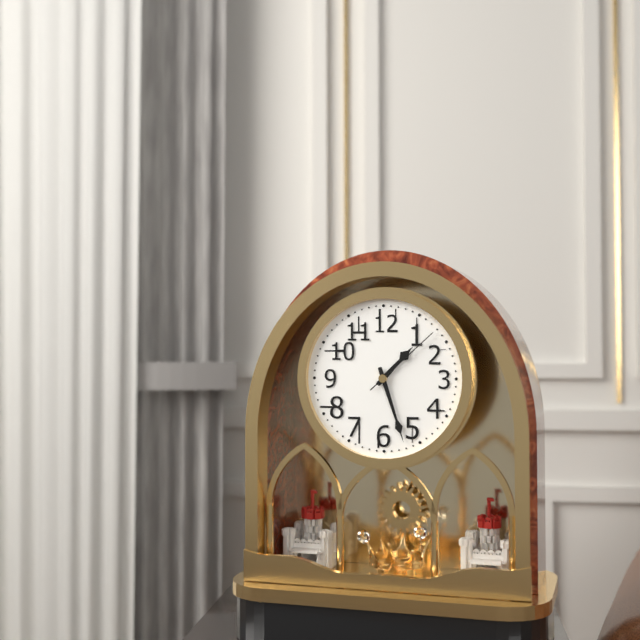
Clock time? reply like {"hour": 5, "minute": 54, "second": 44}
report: {"hour": 1, "minute": 27, "second": 8}
